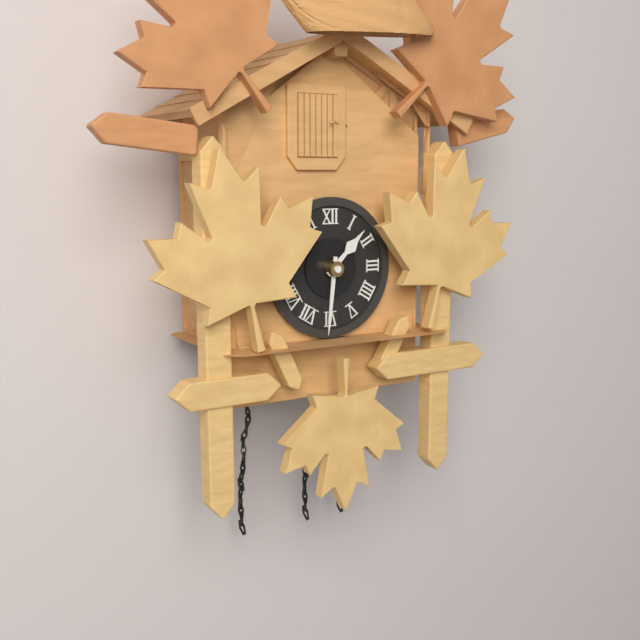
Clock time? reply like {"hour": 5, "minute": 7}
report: {"hour": 1, "minute": 31}
